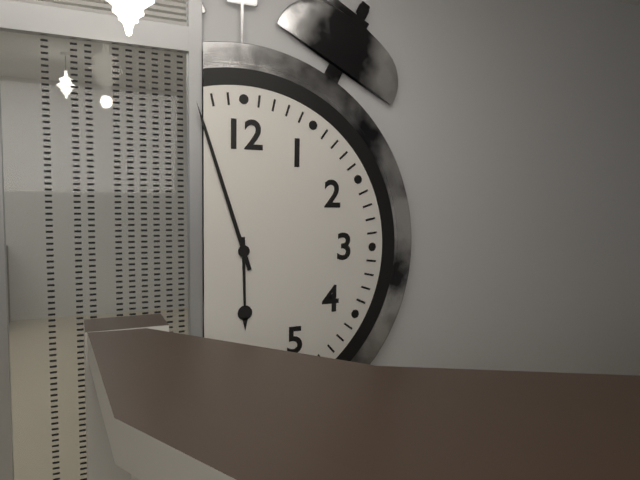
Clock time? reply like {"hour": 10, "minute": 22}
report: {"hour": 5, "minute": 57}
